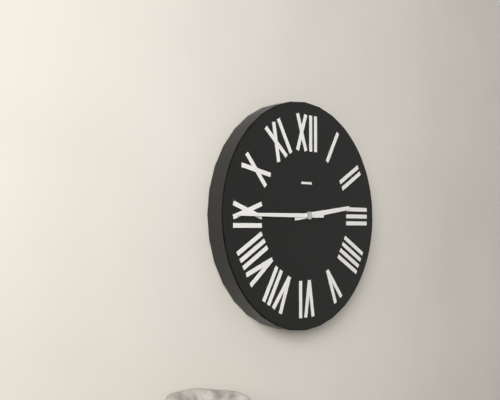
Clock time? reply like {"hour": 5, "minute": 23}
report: {"hour": 2, "minute": 45}
